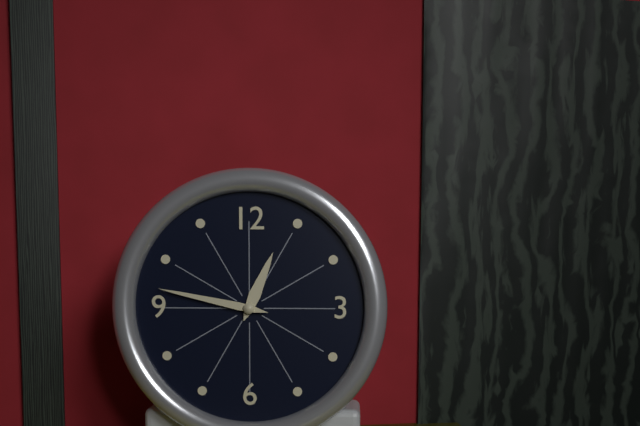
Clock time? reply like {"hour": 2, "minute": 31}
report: {"hour": 12, "minute": 47}
